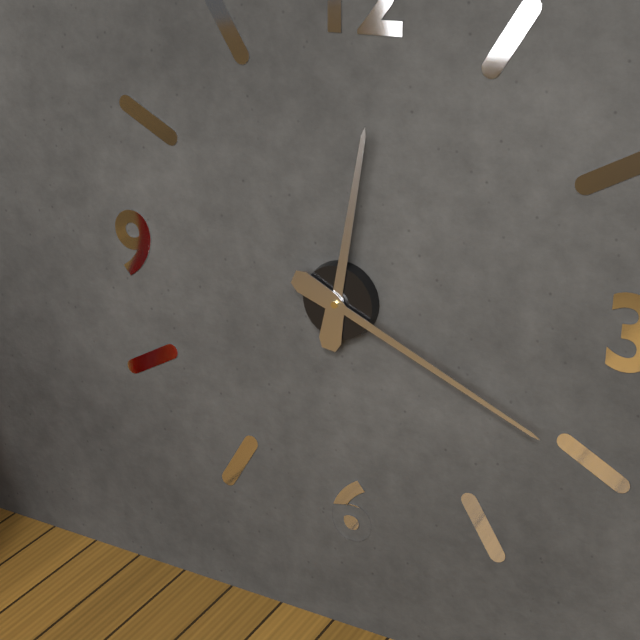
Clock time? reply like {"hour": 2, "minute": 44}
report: {"hour": 12, "minute": 19}
